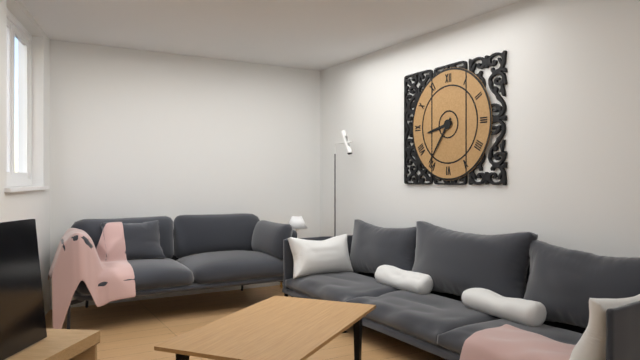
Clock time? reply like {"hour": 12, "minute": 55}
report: {"hour": 8, "minute": 36}
